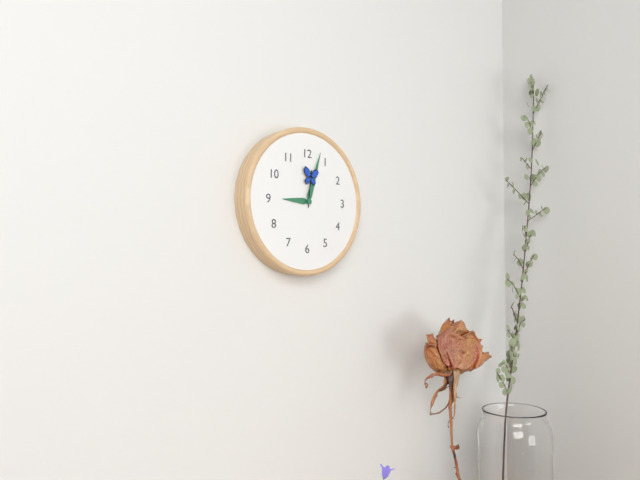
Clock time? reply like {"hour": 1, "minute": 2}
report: {"hour": 9, "minute": 3}
